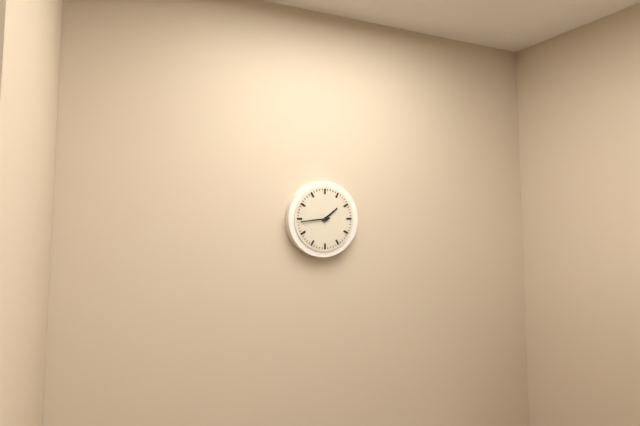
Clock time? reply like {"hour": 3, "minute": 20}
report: {"hour": 1, "minute": 44}
